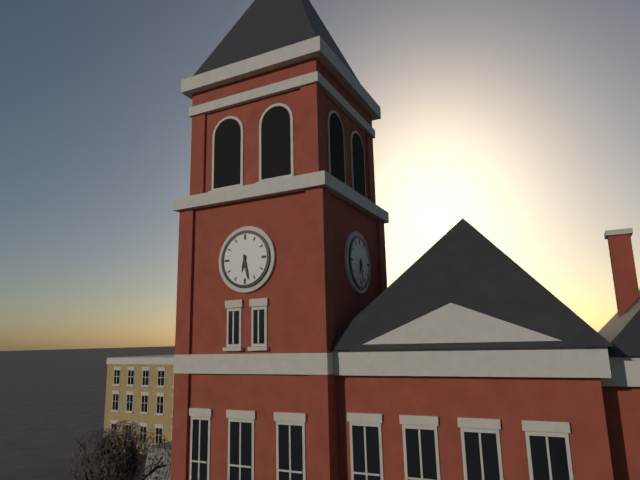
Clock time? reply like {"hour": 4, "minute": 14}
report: {"hour": 6, "minute": 28}
